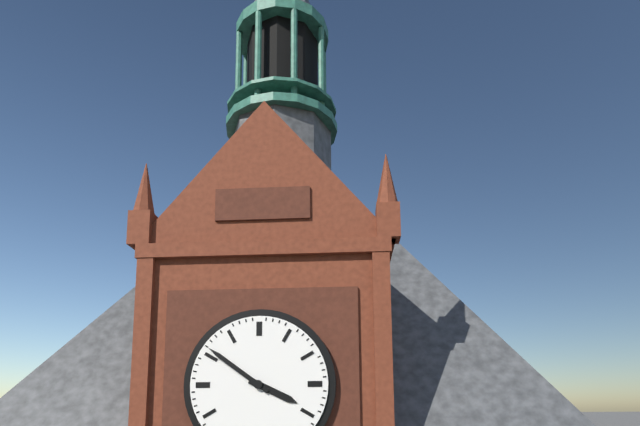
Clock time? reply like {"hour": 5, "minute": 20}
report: {"hour": 3, "minute": 51}
